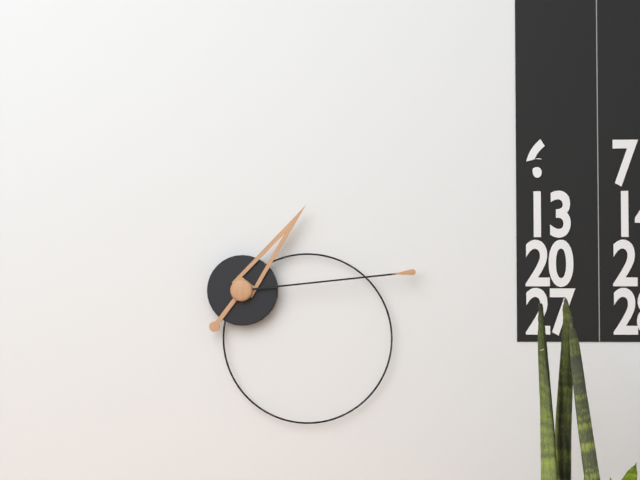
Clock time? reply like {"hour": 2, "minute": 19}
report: {"hour": 1, "minute": 14}
